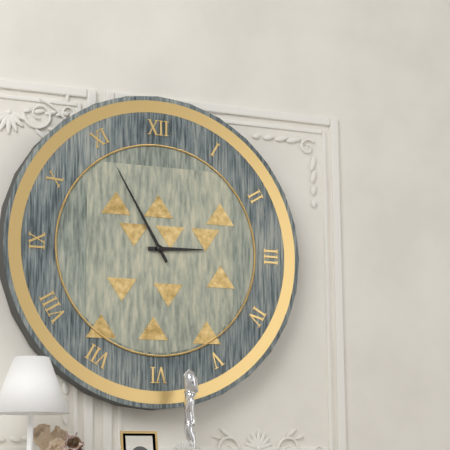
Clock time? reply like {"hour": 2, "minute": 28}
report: {"hour": 2, "minute": 55}
